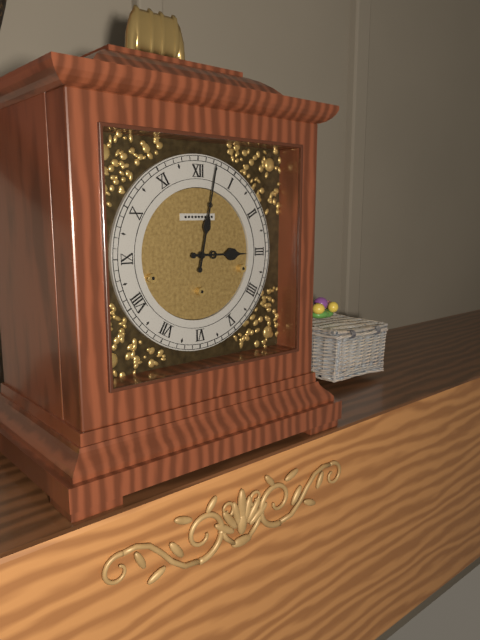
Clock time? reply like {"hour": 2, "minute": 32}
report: {"hour": 3, "minute": 2}
